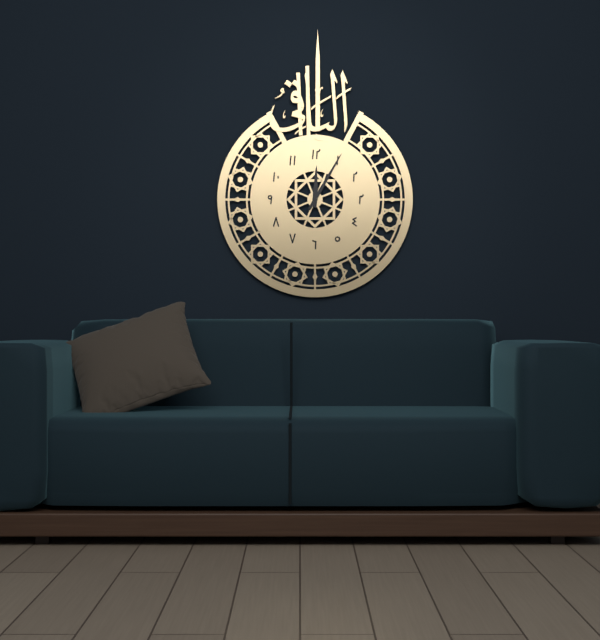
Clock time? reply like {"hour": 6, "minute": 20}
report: {"hour": 12, "minute": 5}
